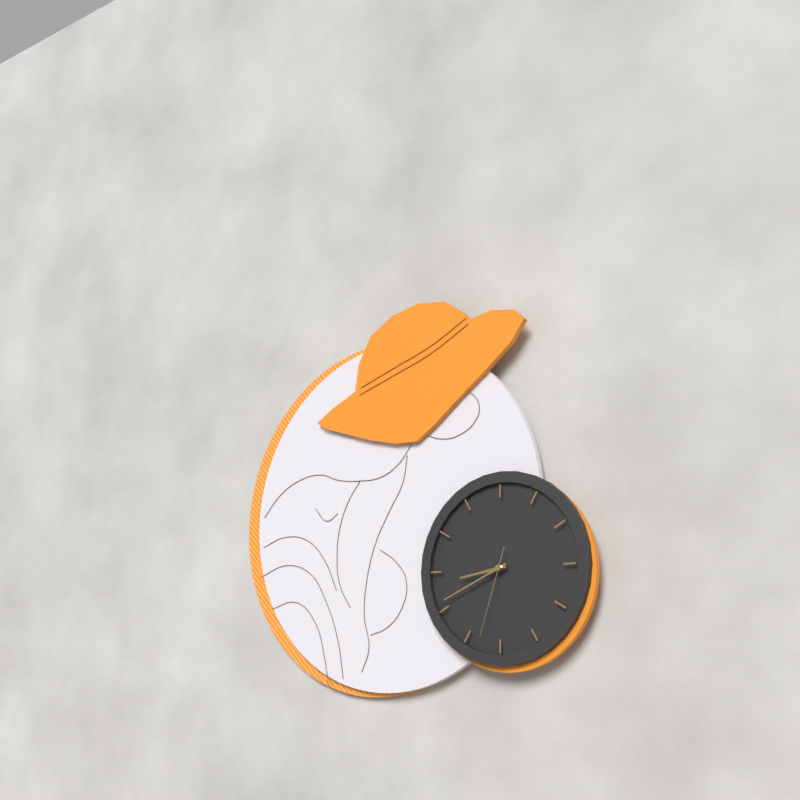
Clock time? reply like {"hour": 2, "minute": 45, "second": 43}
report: {"hour": 8, "minute": 41, "second": 33}
